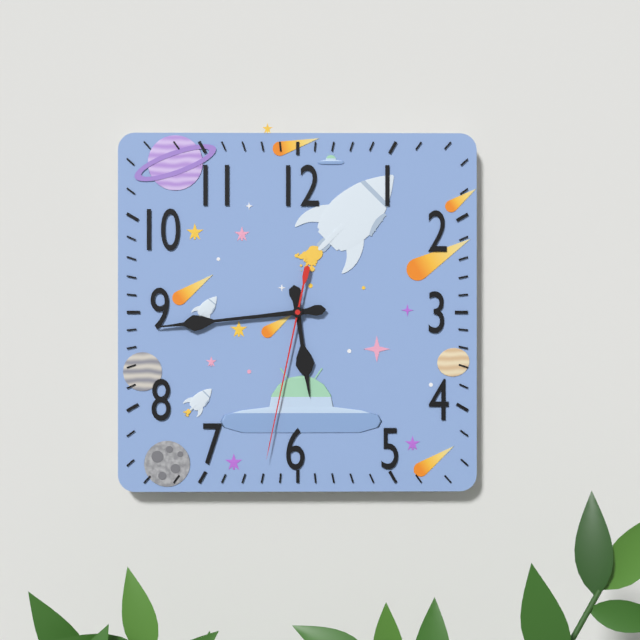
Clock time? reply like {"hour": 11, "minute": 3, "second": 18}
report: {"hour": 5, "minute": 44, "second": 32}
